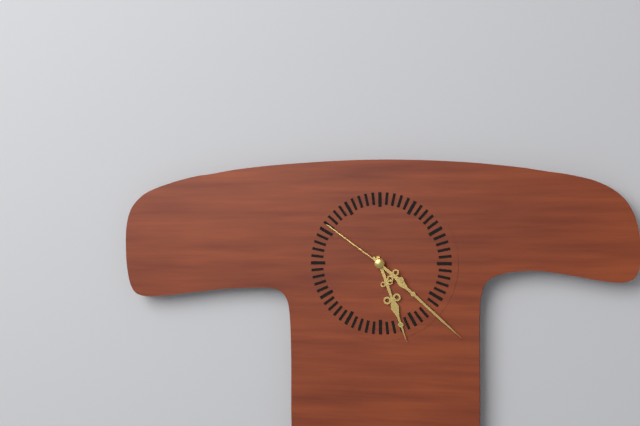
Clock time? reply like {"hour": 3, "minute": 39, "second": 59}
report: {"hour": 5, "minute": 22, "second": 51}
